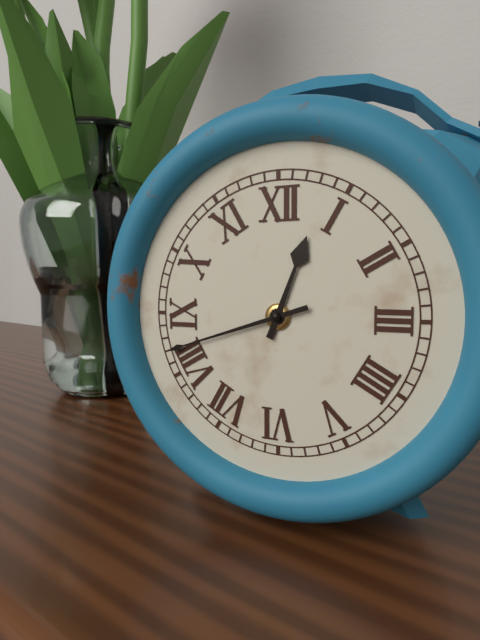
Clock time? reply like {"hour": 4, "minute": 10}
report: {"hour": 12, "minute": 42}
